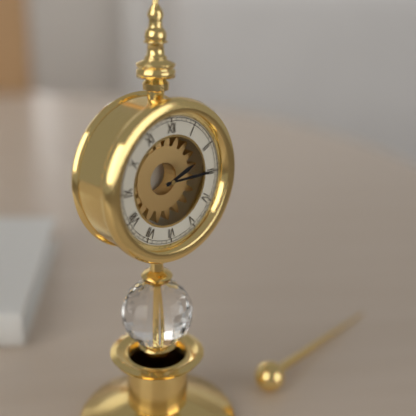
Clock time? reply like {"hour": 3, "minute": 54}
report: {"hour": 2, "minute": 15}
